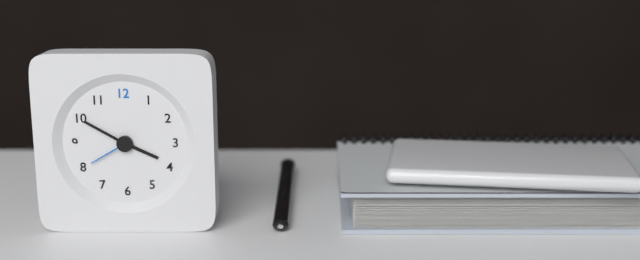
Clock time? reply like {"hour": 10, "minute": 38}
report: {"hour": 3, "minute": 50}
